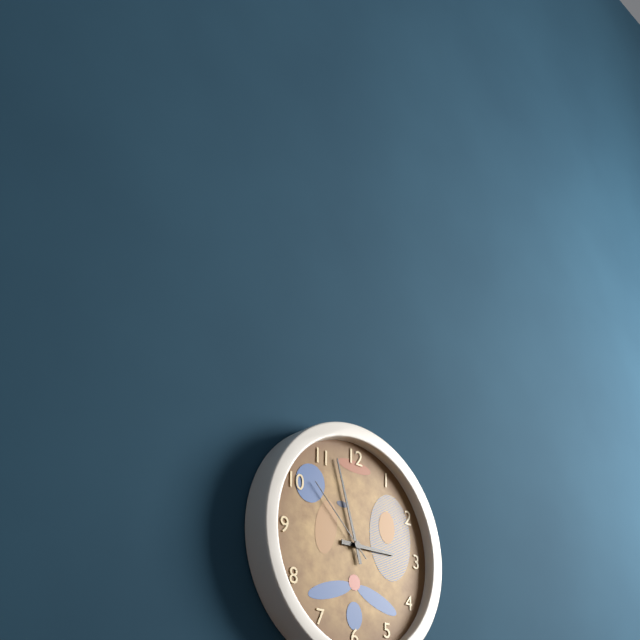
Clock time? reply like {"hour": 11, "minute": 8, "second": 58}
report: {"hour": 2, "minute": 57, "second": 52}
